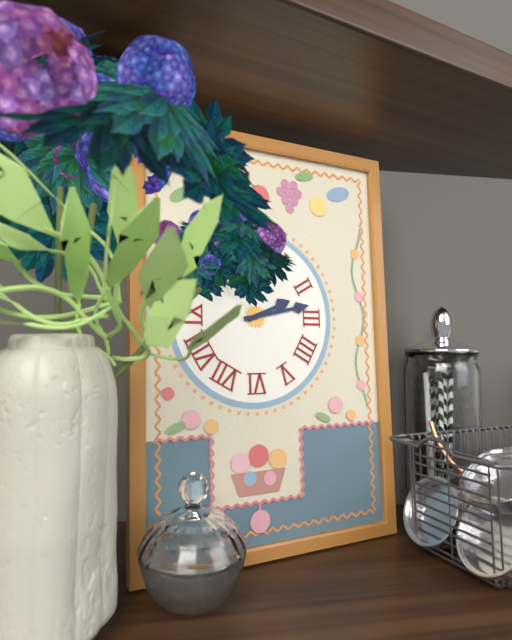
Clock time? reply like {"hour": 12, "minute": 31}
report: {"hour": 2, "minute": 13}
